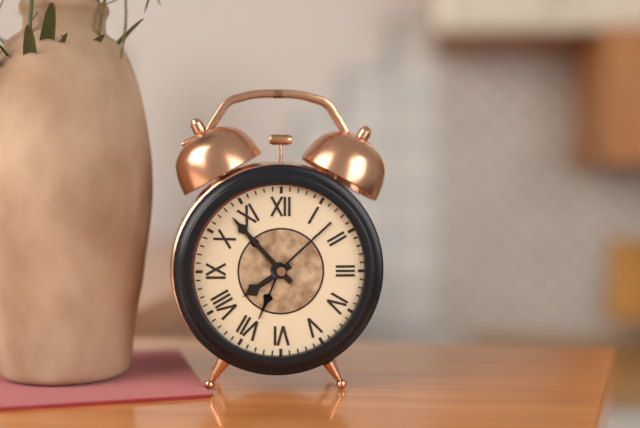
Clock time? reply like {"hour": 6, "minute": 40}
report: {"hour": 7, "minute": 53}
